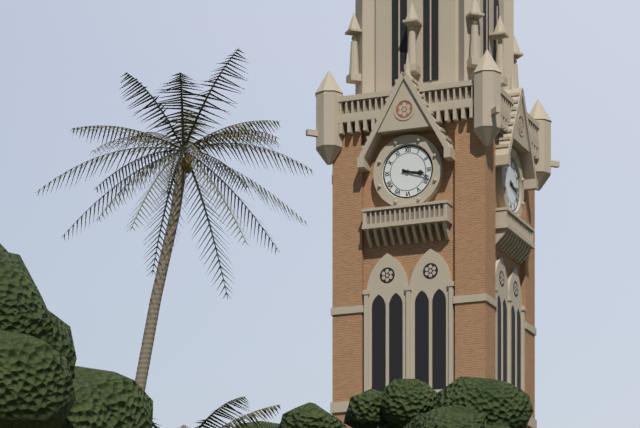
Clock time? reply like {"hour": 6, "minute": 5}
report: {"hour": 3, "minute": 18}
